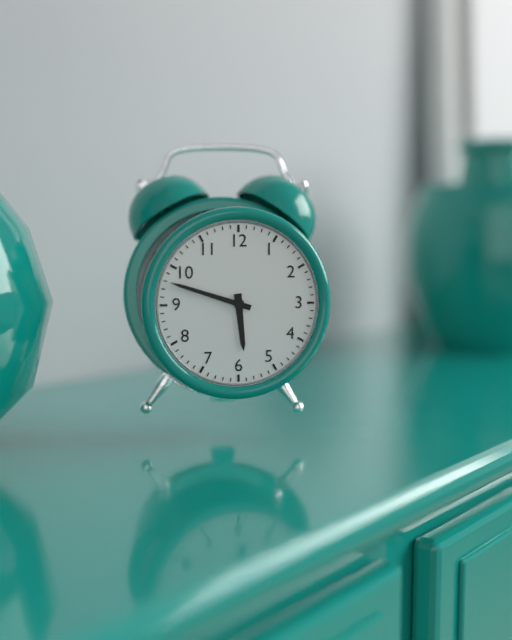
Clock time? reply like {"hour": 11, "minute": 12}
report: {"hour": 5, "minute": 48}
